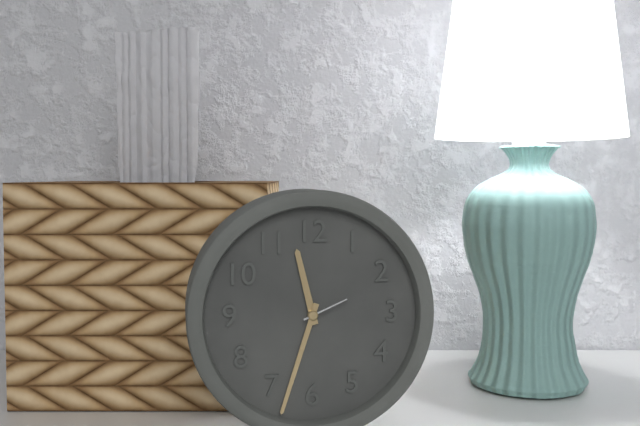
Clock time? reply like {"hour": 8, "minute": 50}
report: {"hour": 11, "minute": 33}
